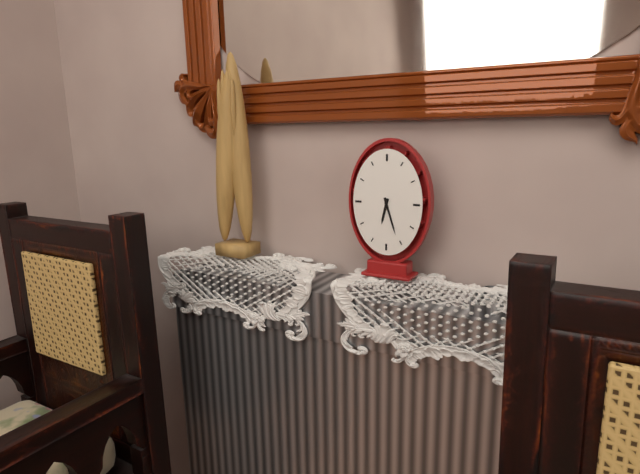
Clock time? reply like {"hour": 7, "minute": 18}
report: {"hour": 6, "minute": 27}
